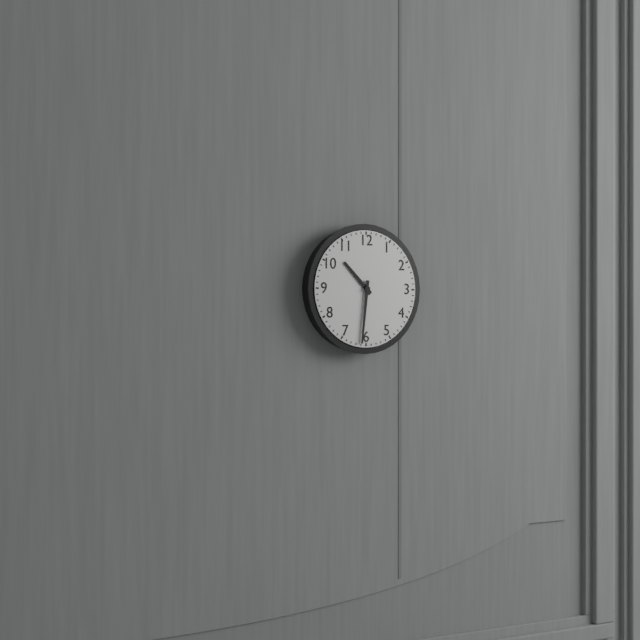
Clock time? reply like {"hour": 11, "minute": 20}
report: {"hour": 10, "minute": 31}
